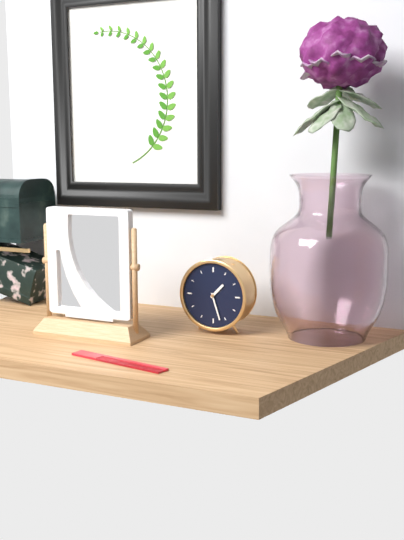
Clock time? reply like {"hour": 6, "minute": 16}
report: {"hour": 1, "minute": 27}
